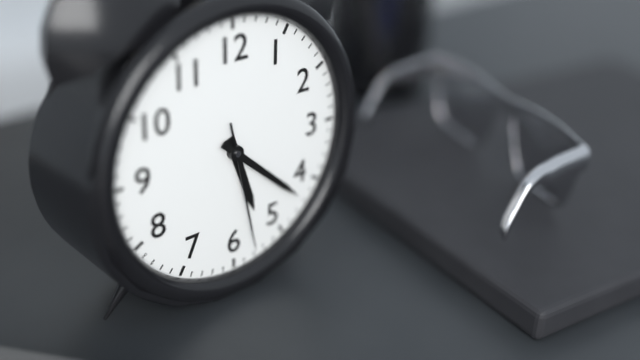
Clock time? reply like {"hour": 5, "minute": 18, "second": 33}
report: {"hour": 5, "minute": 22, "second": 28}
